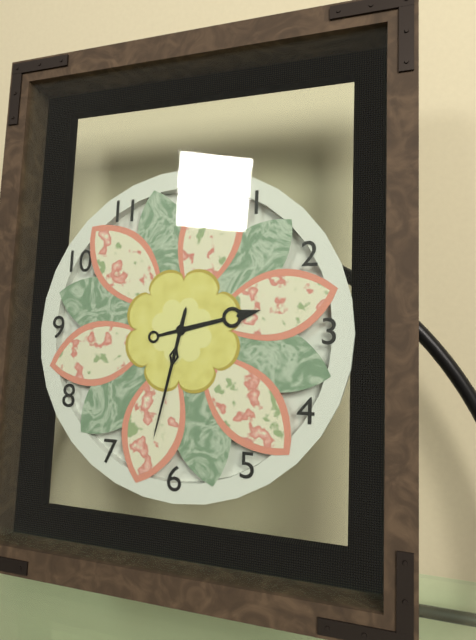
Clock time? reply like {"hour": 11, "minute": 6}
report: {"hour": 2, "minute": 32}
